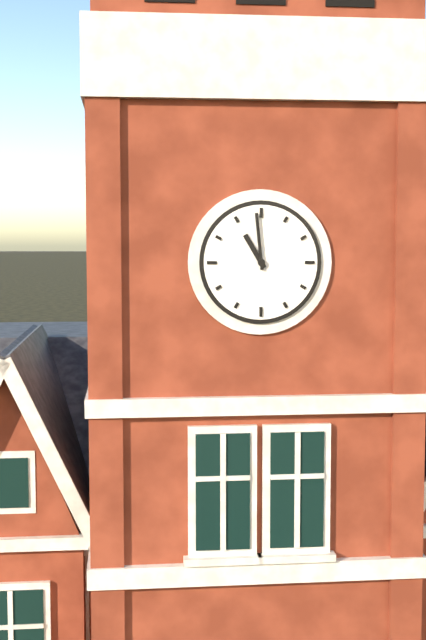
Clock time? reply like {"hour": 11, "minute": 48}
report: {"hour": 10, "minute": 59}
